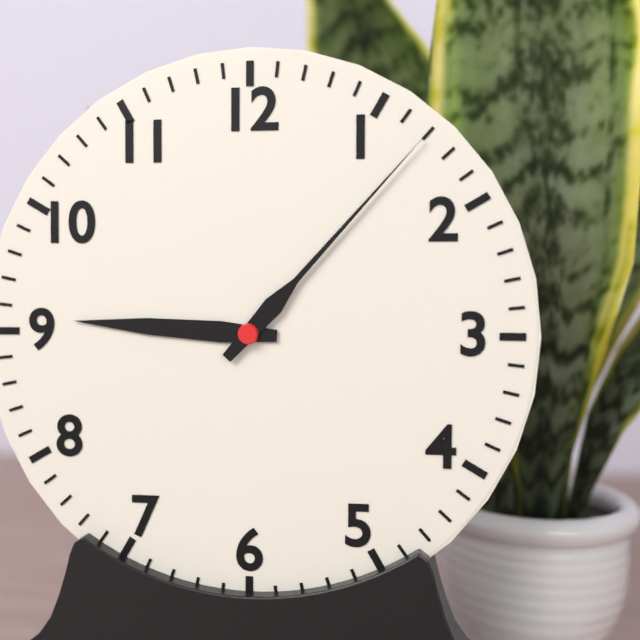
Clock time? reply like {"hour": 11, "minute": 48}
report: {"hour": 9, "minute": 7}
